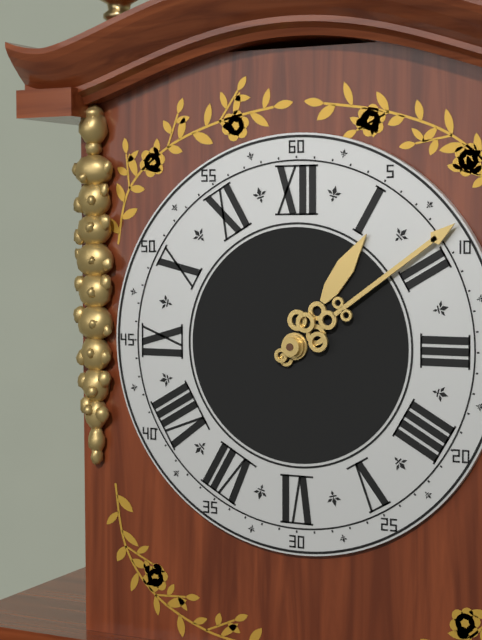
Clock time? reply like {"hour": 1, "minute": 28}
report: {"hour": 1, "minute": 9}
